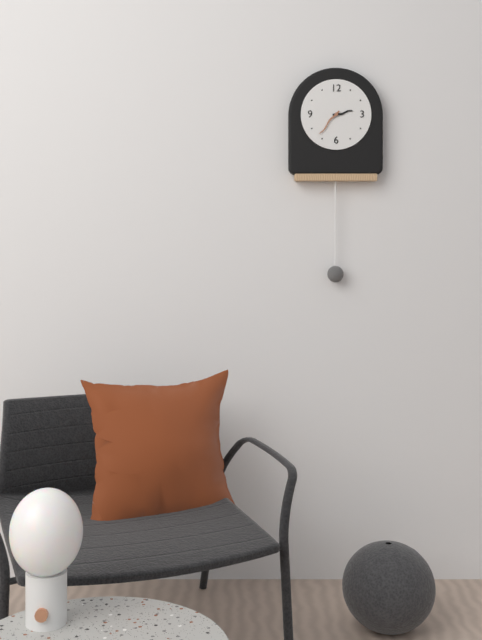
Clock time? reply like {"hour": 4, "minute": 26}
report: {"hour": 2, "minute": 37}
